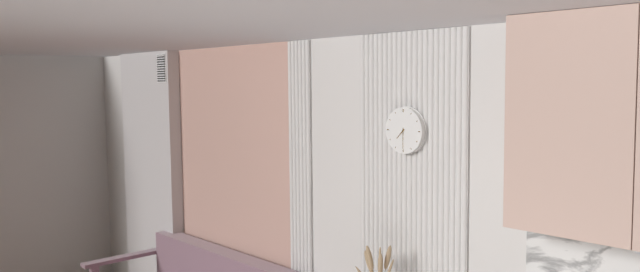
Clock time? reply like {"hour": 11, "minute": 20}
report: {"hour": 7, "minute": 30}
